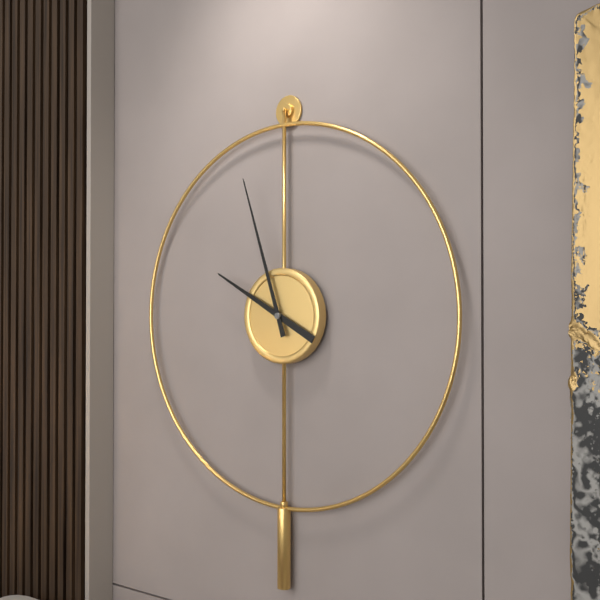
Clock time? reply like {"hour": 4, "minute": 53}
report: {"hour": 9, "minute": 57}
